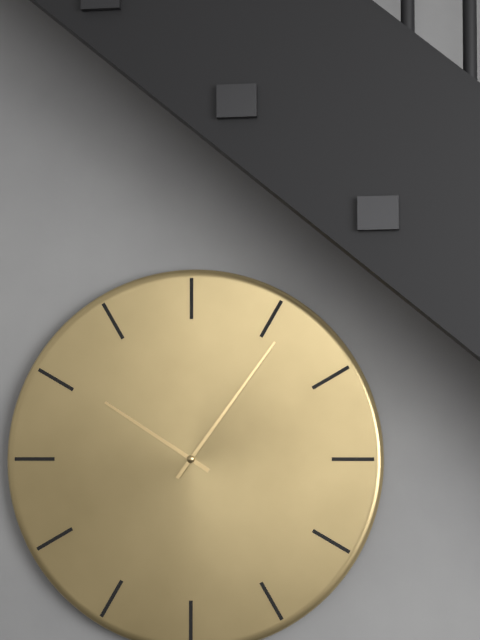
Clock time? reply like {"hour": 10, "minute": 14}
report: {"hour": 10, "minute": 6}
